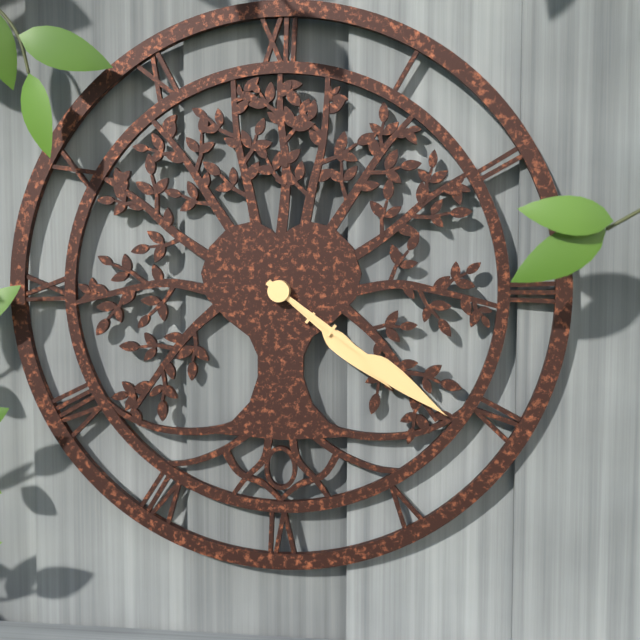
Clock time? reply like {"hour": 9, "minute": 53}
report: {"hour": 4, "minute": 21}
